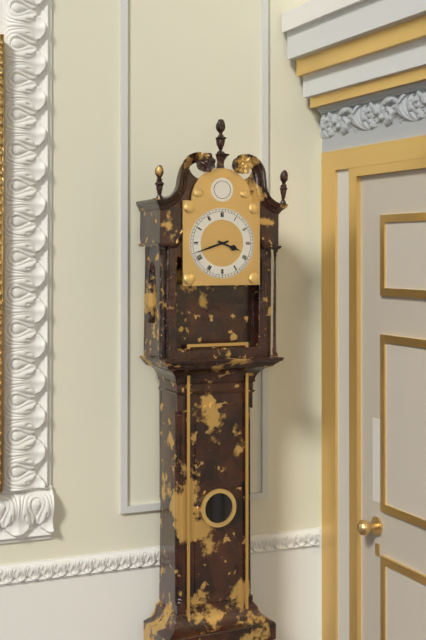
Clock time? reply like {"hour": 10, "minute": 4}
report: {"hour": 3, "minute": 42}
